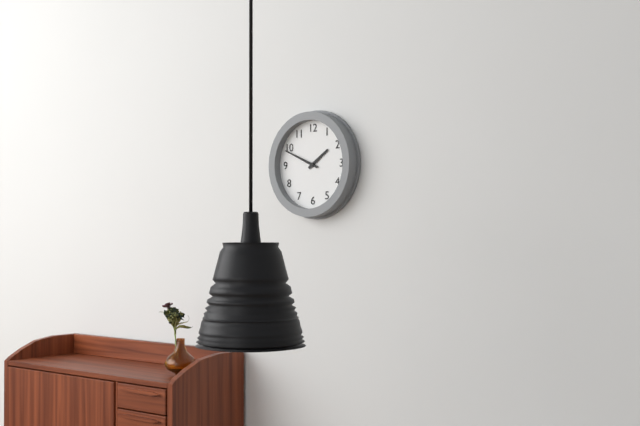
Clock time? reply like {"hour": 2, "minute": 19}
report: {"hour": 1, "minute": 49}
